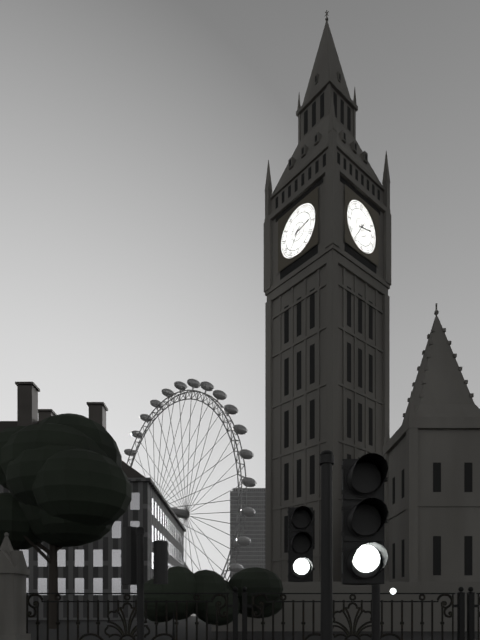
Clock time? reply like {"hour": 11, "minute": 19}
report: {"hour": 2, "minute": 36}
